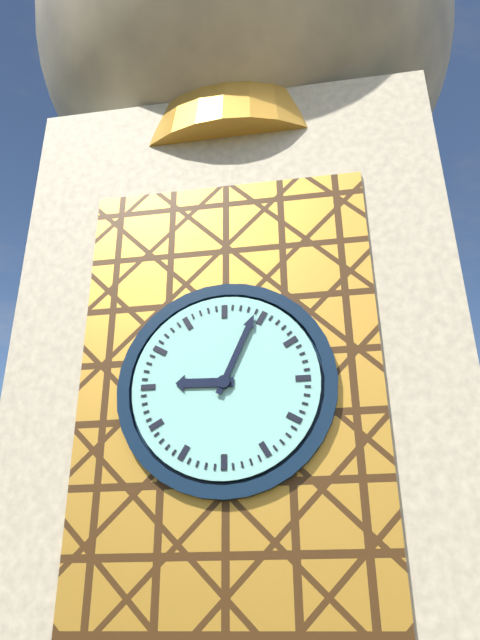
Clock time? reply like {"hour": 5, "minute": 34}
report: {"hour": 9, "minute": 4}
